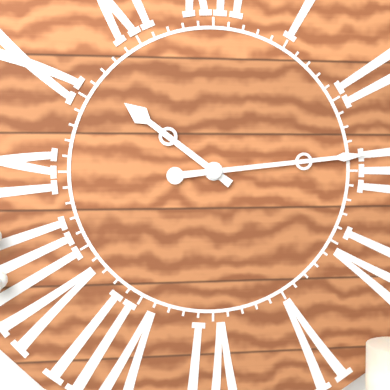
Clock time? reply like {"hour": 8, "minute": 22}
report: {"hour": 10, "minute": 14}
